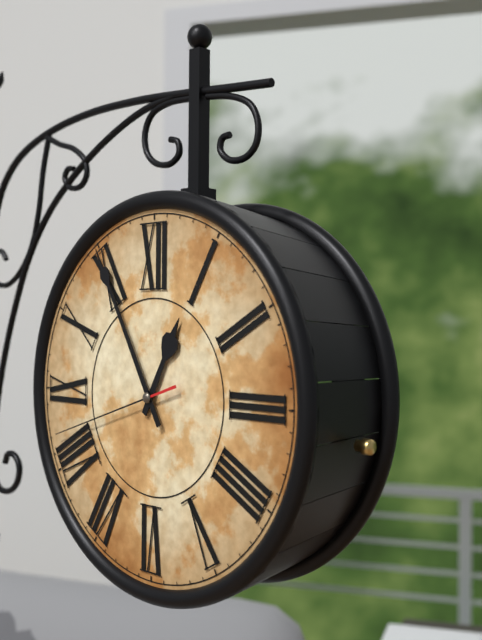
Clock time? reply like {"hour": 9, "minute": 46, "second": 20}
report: {"hour": 12, "minute": 55, "second": 42}
